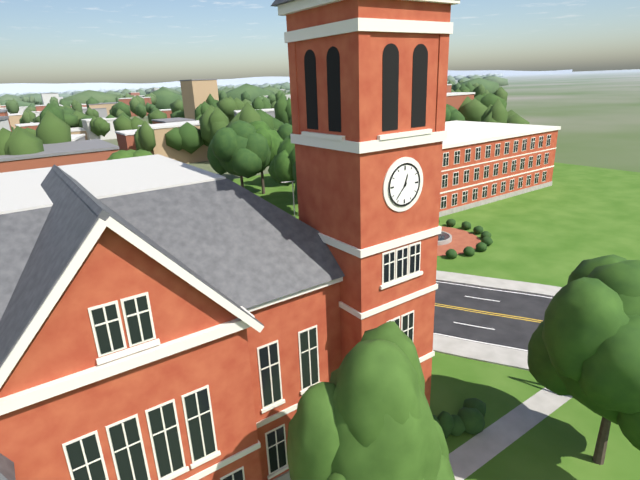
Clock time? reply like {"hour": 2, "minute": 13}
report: {"hour": 12, "minute": 37}
